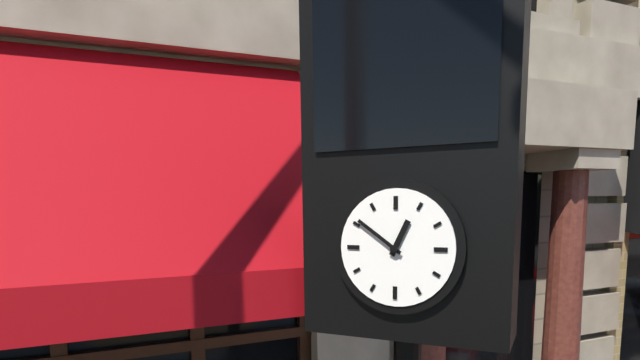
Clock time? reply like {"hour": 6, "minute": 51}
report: {"hour": 12, "minute": 51}
